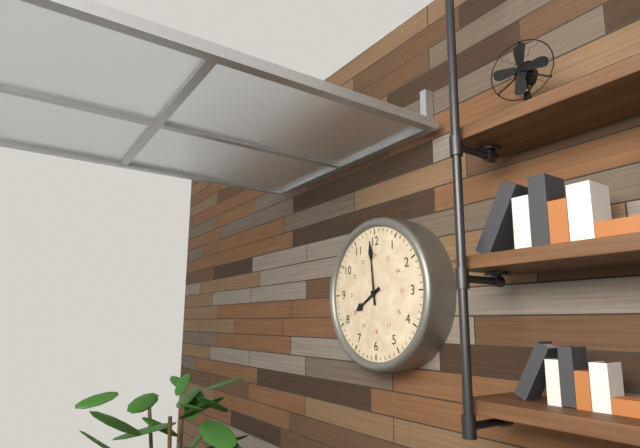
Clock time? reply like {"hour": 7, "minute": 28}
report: {"hour": 7, "minute": 59}
